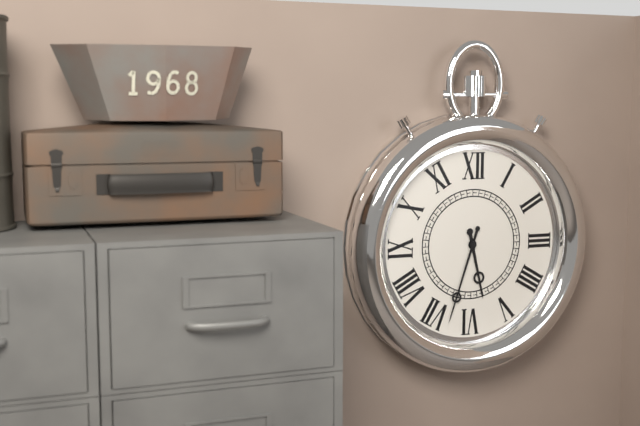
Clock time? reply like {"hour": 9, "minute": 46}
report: {"hour": 5, "minute": 33}
